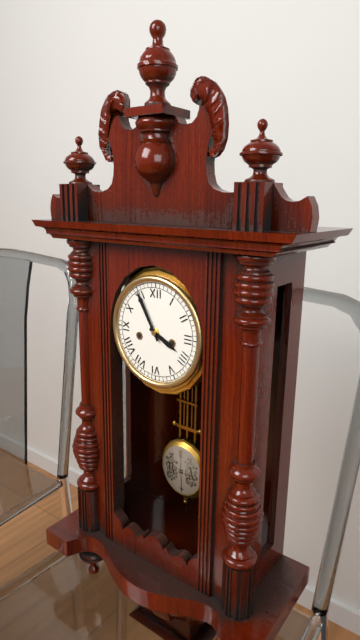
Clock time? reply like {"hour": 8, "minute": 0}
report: {"hour": 3, "minute": 55}
